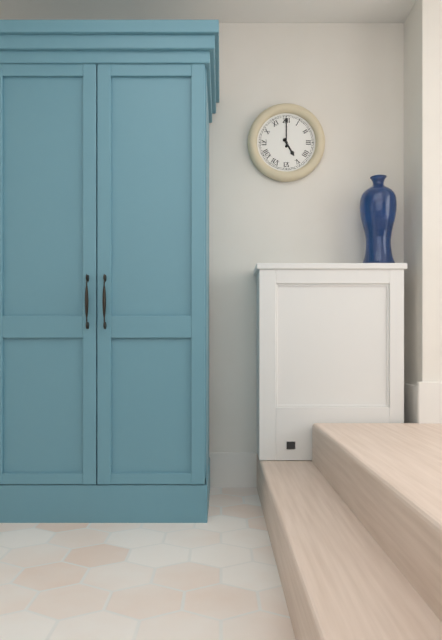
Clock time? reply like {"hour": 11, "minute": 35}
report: {"hour": 5, "minute": 0}
